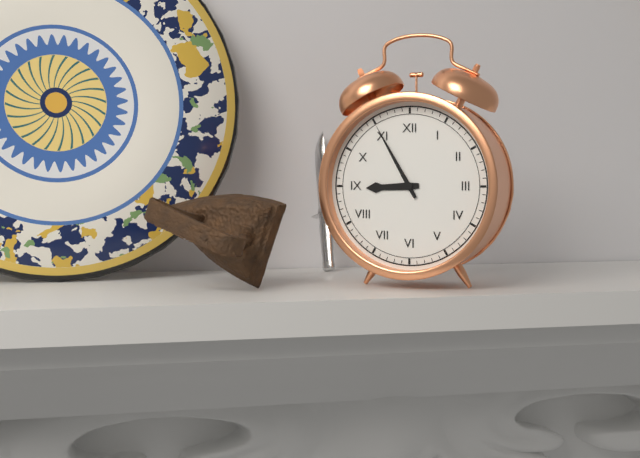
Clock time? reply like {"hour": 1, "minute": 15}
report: {"hour": 8, "minute": 55}
